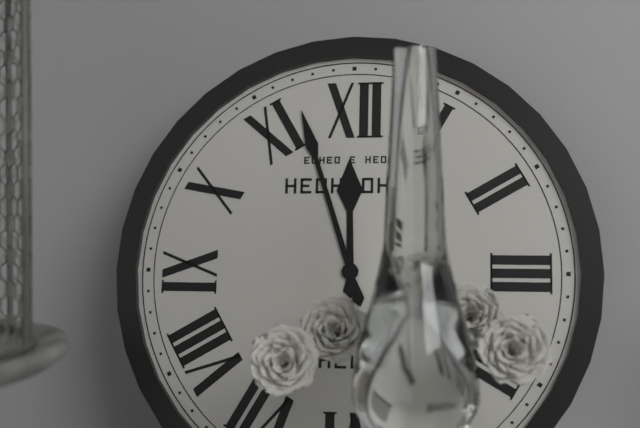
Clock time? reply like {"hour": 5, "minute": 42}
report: {"hour": 11, "minute": 57}
